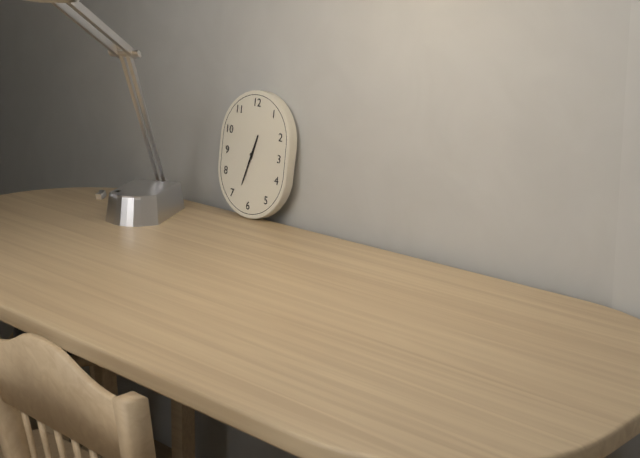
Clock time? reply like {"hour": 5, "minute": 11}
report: {"hour": 12, "minute": 33}
